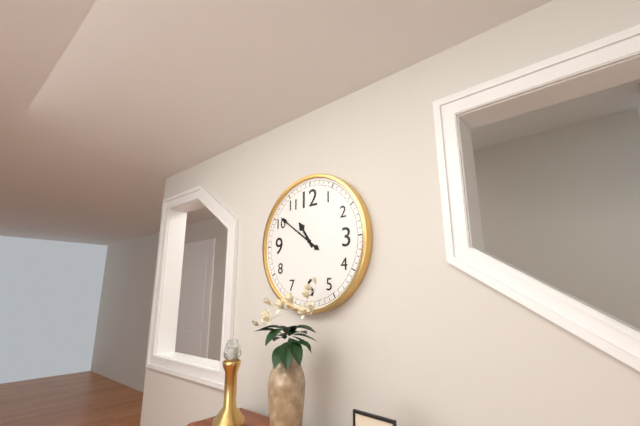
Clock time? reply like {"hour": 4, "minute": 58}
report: {"hour": 10, "minute": 51}
